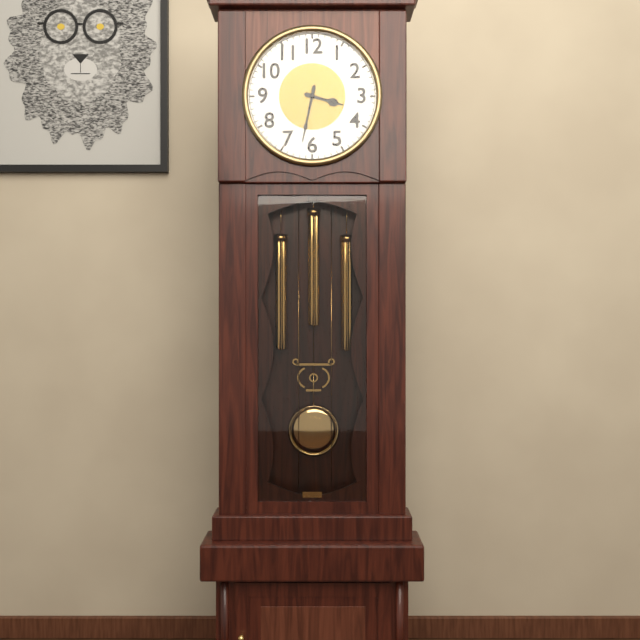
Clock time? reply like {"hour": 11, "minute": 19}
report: {"hour": 3, "minute": 32}
